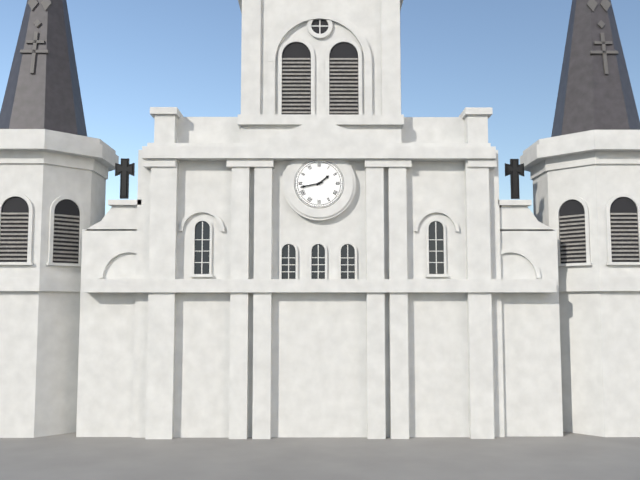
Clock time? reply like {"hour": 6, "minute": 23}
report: {"hour": 1, "minute": 43}
